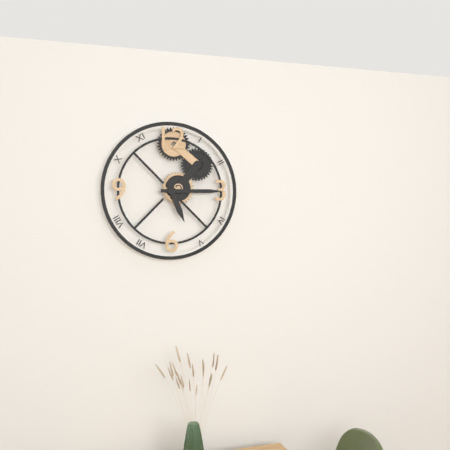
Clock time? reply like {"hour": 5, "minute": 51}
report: {"hour": 5, "minute": 15}
